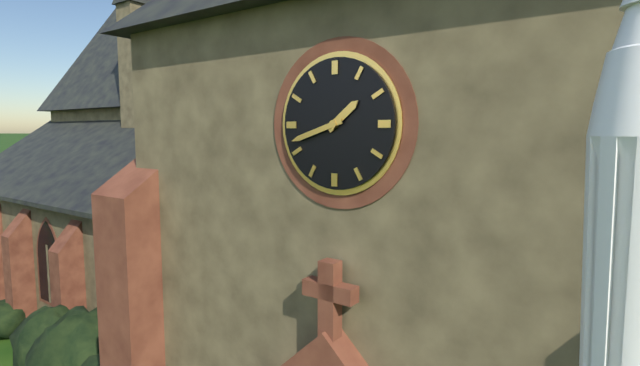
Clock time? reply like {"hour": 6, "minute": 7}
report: {"hour": 1, "minute": 42}
